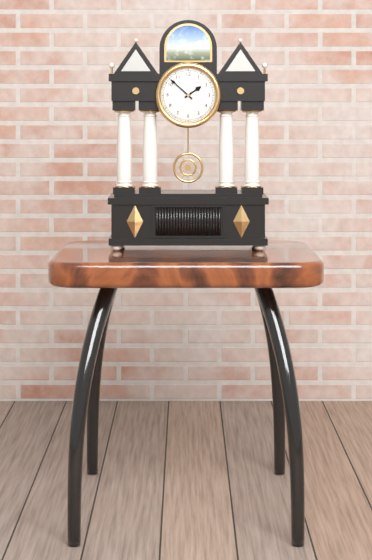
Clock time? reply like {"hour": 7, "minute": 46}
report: {"hour": 1, "minute": 52}
